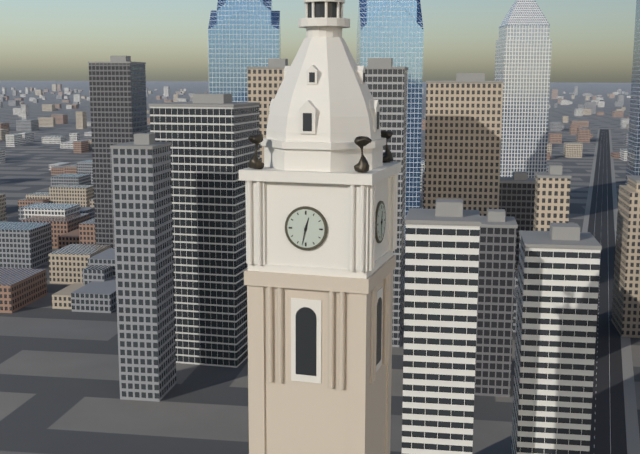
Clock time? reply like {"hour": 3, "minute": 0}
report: {"hour": 12, "minute": 32}
